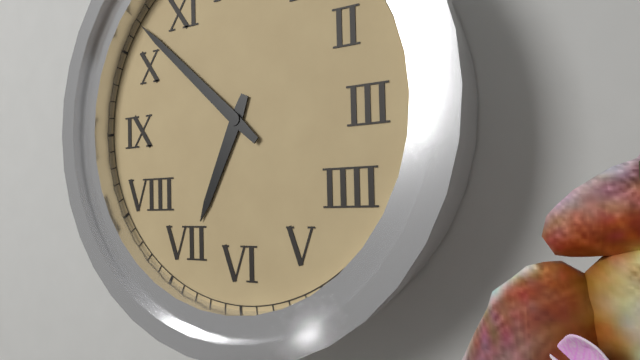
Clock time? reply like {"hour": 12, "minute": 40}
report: {"hour": 6, "minute": 52}
